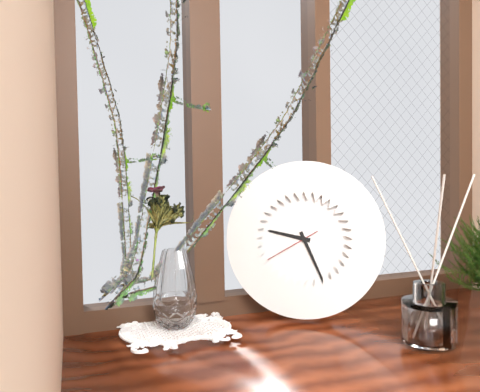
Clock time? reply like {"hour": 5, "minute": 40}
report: {"hour": 9, "minute": 26}
